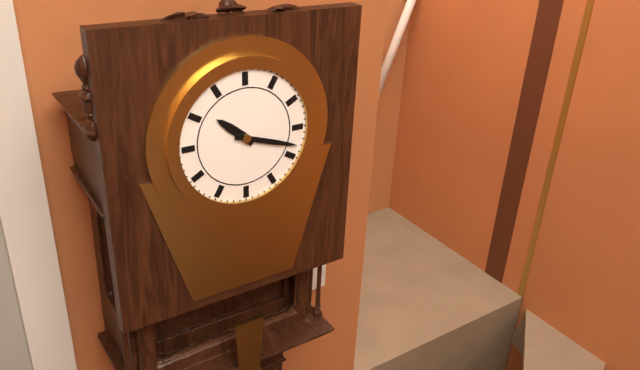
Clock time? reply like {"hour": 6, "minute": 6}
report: {"hour": 10, "minute": 18}
